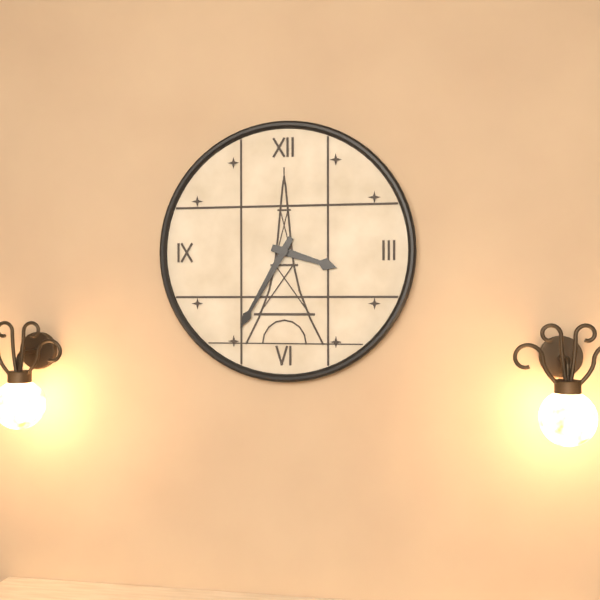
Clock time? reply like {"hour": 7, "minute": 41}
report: {"hour": 3, "minute": 35}
